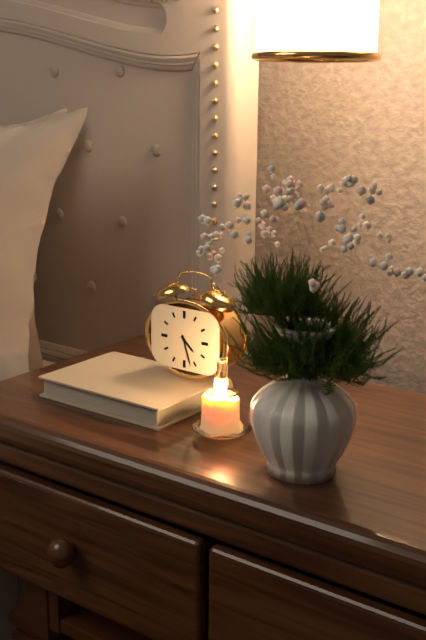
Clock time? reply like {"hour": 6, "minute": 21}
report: {"hour": 4, "minute": 27}
